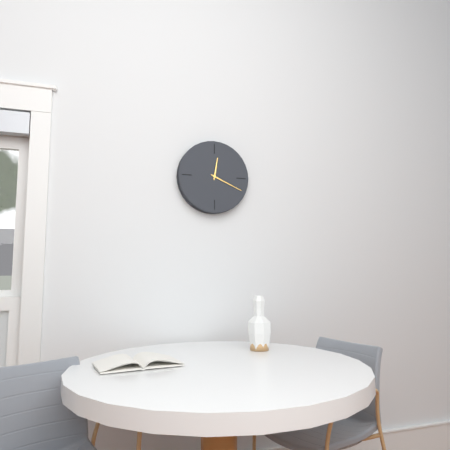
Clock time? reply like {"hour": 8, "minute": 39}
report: {"hour": 12, "minute": 19}
